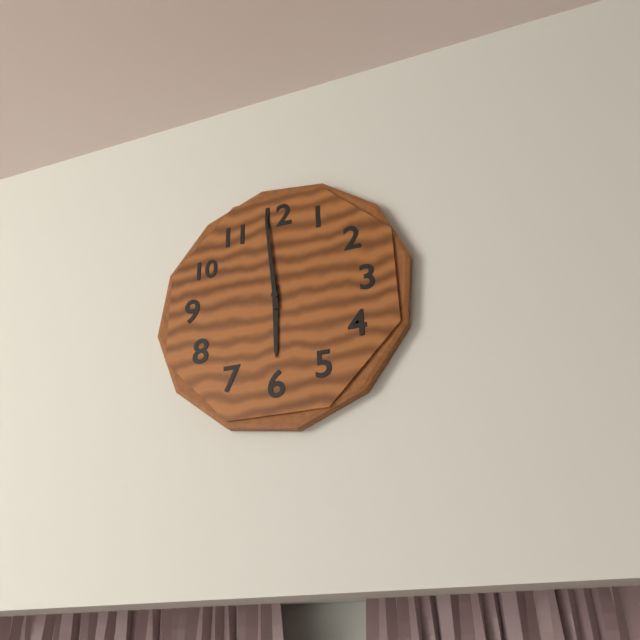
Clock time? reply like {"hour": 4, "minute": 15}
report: {"hour": 5, "minute": 59}
